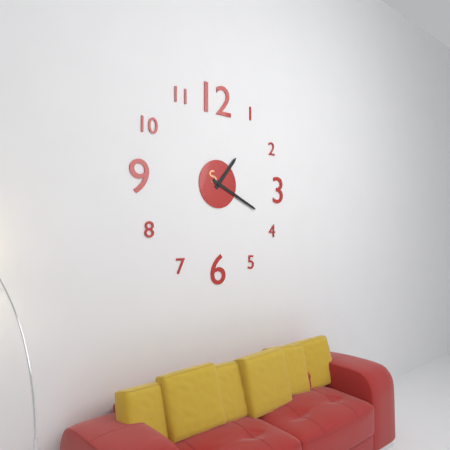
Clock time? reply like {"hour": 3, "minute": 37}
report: {"hour": 1, "minute": 19}
